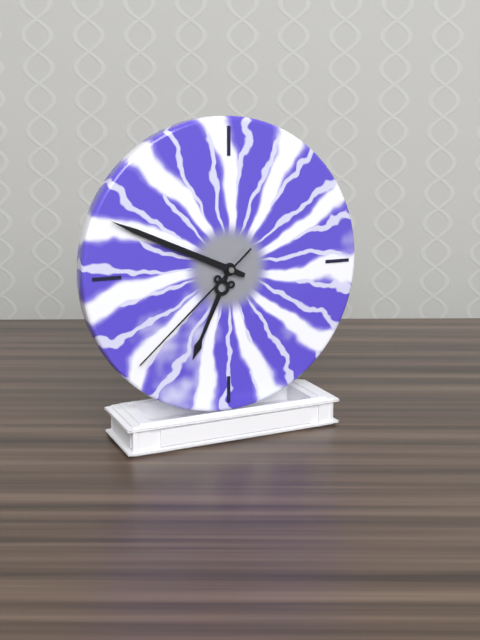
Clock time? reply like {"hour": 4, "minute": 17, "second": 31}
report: {"hour": 6, "minute": 49, "second": 38}
